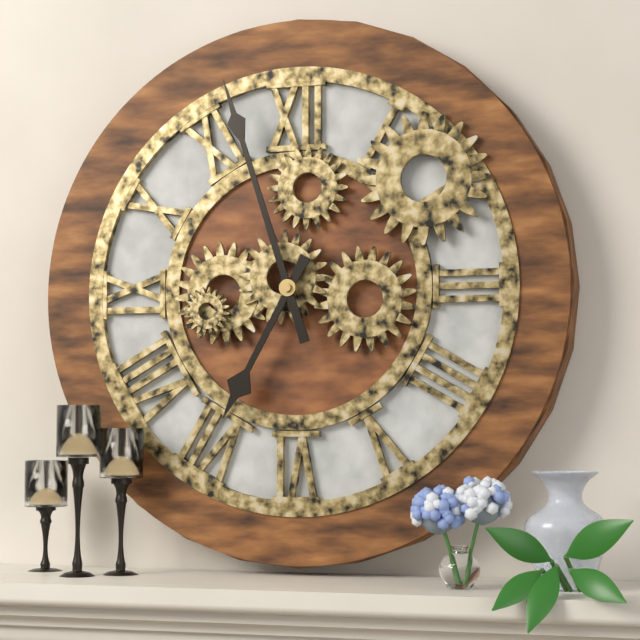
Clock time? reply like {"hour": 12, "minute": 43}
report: {"hour": 6, "minute": 57}
